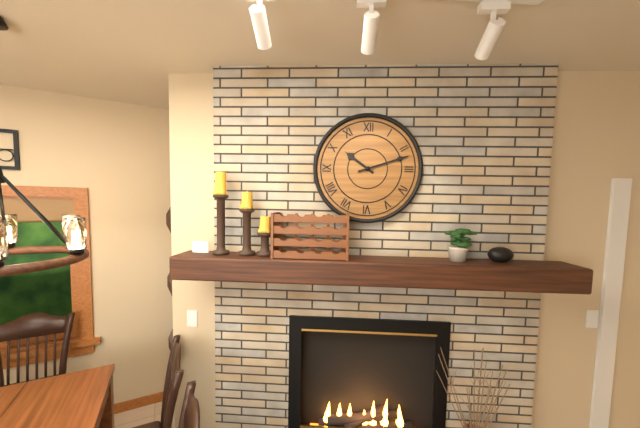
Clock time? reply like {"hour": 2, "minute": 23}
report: {"hour": 10, "minute": 12}
